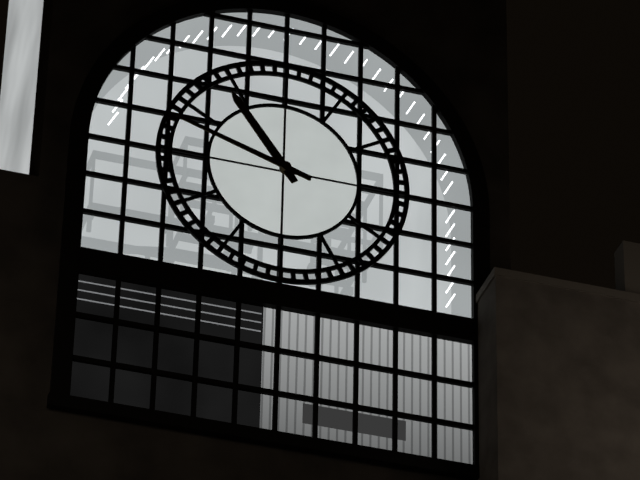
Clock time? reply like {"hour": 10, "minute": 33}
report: {"hour": 10, "minute": 48}
